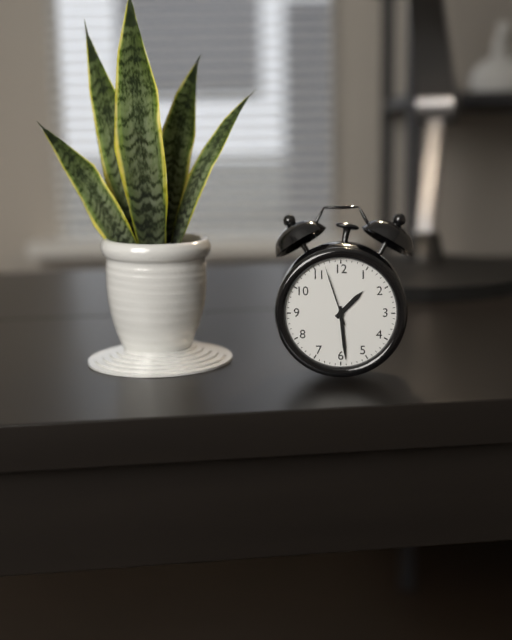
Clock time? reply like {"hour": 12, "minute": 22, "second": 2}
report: {"hour": 1, "minute": 29, "second": 57}
